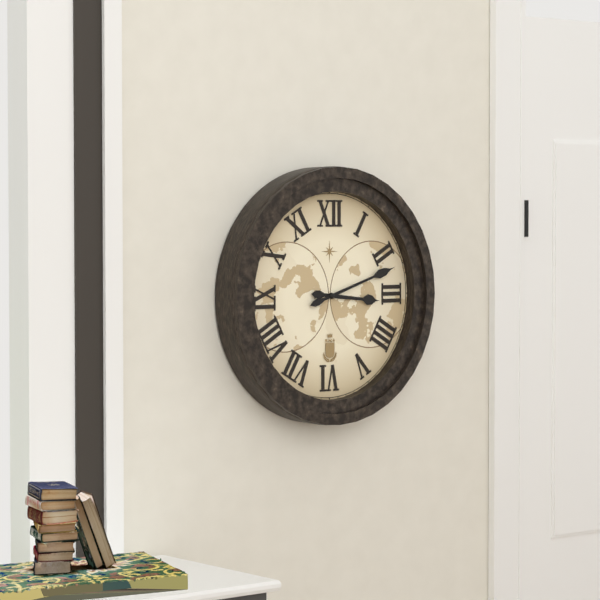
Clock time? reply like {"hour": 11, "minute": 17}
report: {"hour": 3, "minute": 12}
